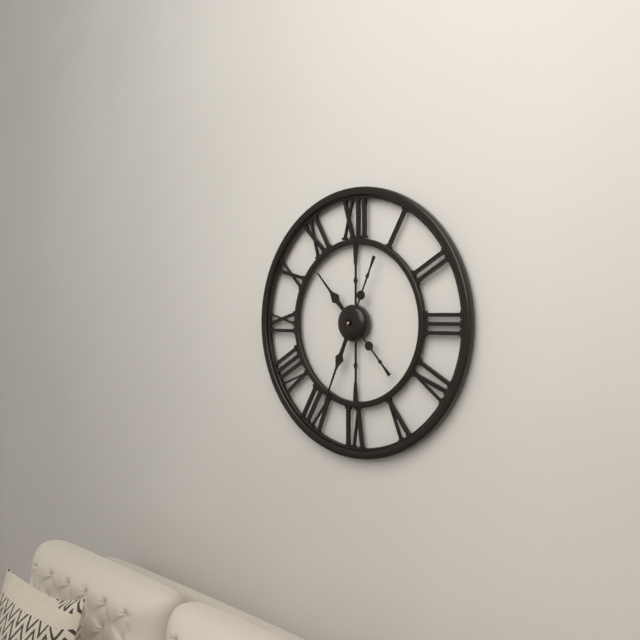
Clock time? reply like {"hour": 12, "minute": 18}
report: {"hour": 10, "minute": 34}
